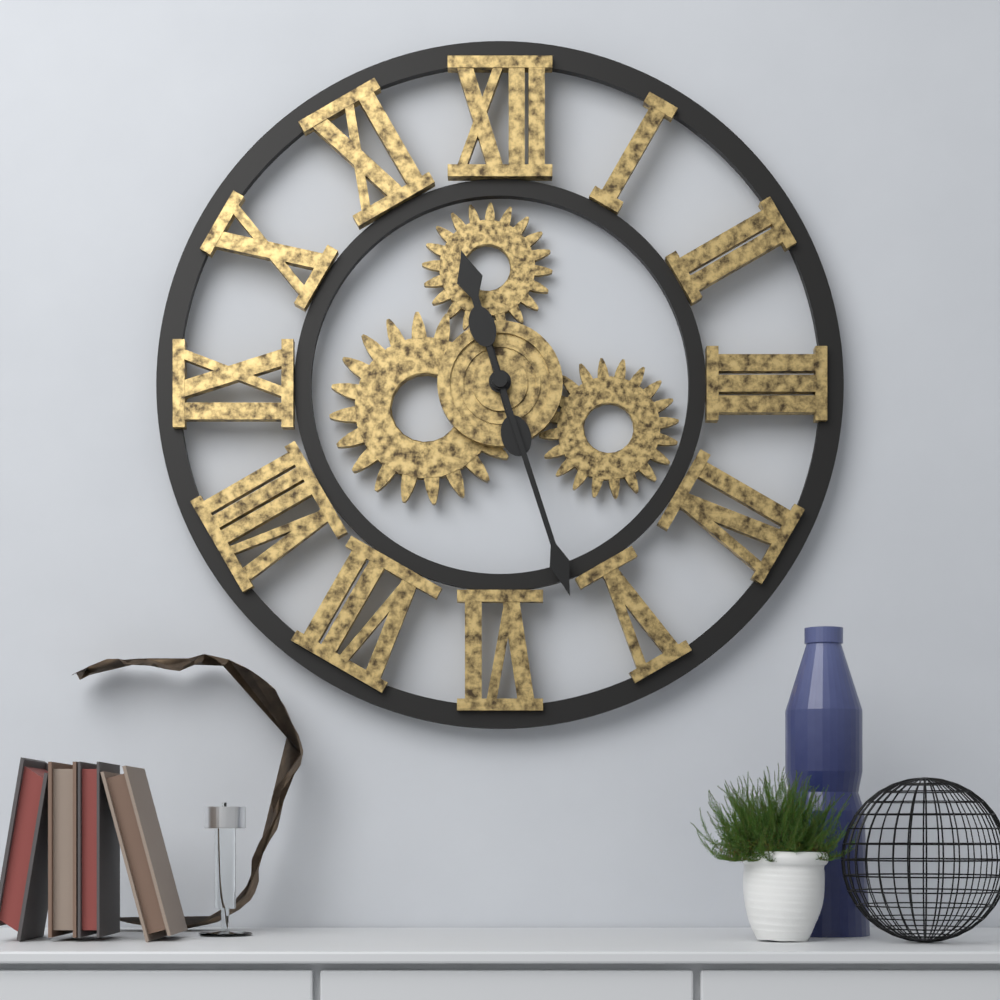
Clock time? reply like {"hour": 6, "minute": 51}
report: {"hour": 11, "minute": 27}
